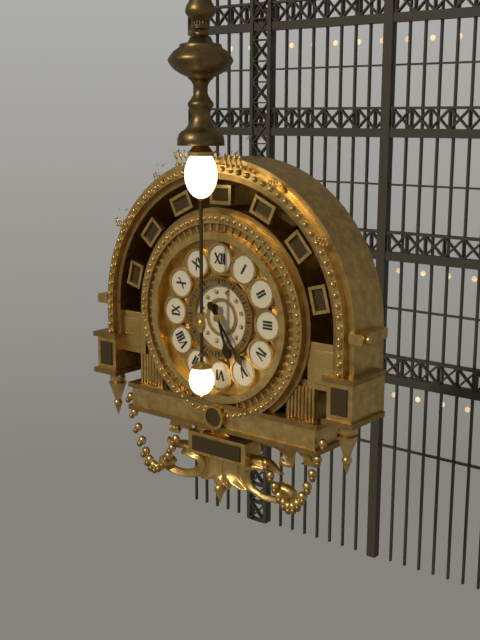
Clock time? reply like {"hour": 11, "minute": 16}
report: {"hour": 5, "minute": 24}
